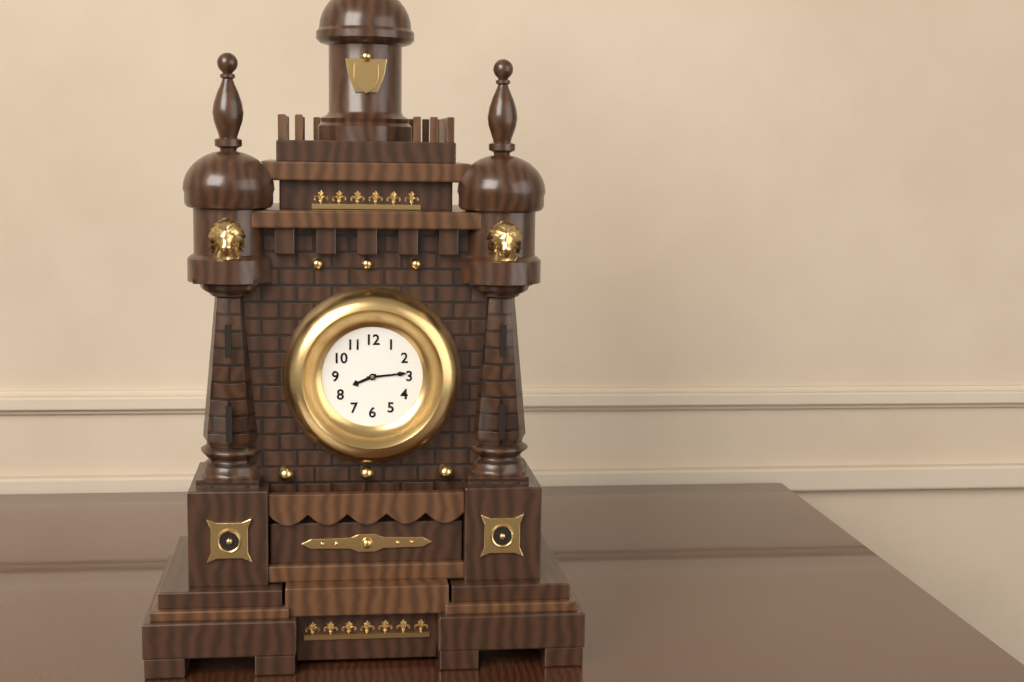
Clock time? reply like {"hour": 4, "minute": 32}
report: {"hour": 8, "minute": 14}
